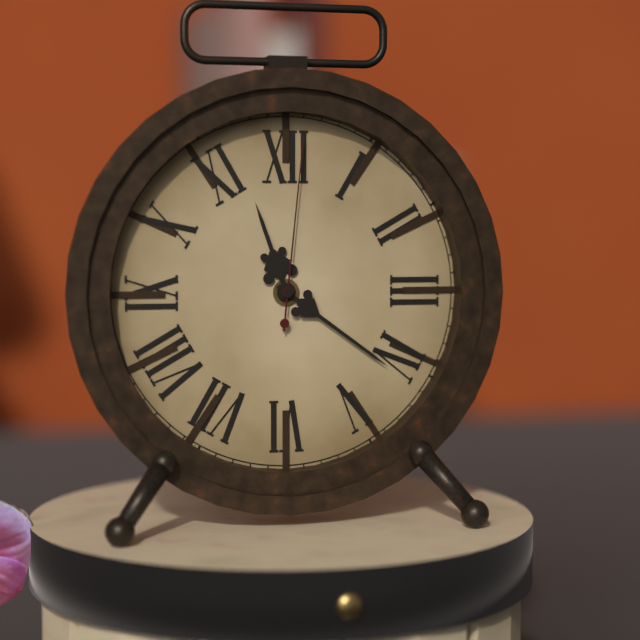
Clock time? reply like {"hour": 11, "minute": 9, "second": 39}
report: {"hour": 11, "minute": 21, "second": 1}
